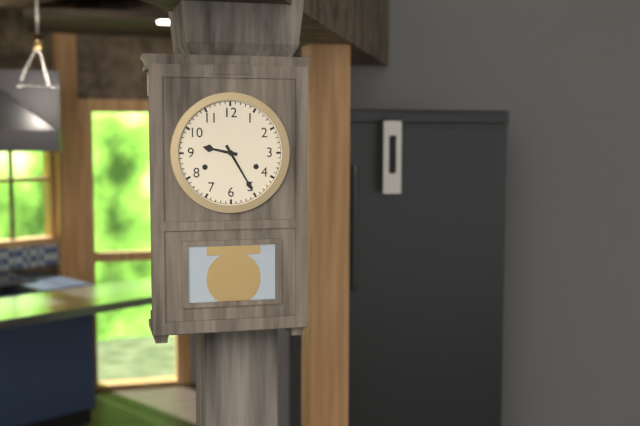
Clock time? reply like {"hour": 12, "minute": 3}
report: {"hour": 9, "minute": 25}
